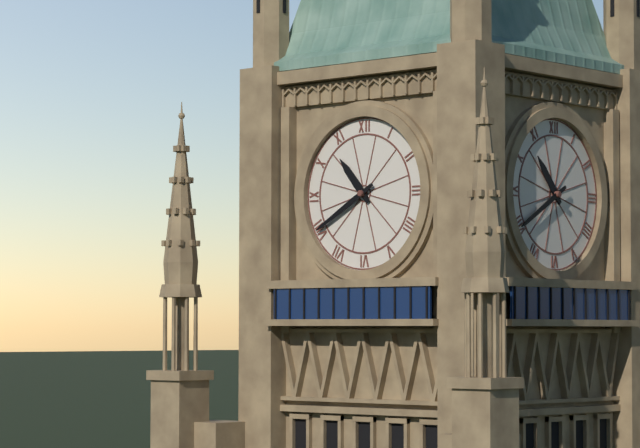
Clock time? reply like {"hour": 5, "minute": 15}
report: {"hour": 10, "minute": 40}
